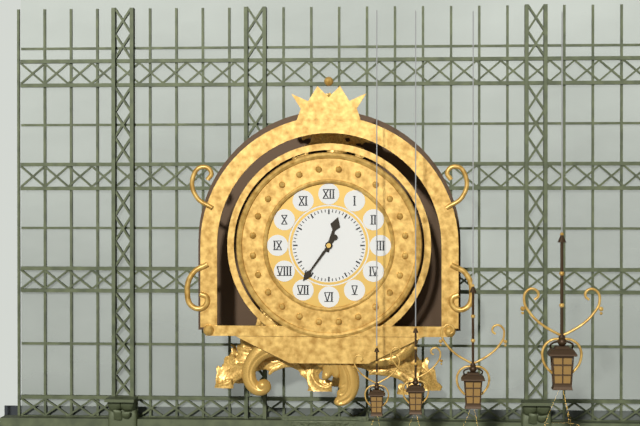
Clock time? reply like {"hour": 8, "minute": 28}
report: {"hour": 12, "minute": 36}
